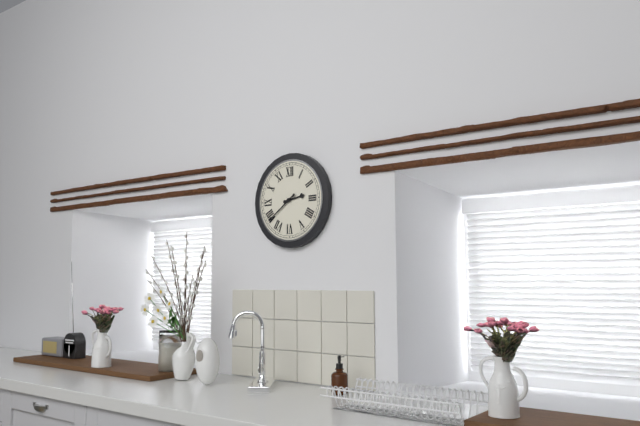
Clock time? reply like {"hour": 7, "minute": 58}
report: {"hour": 2, "minute": 39}
